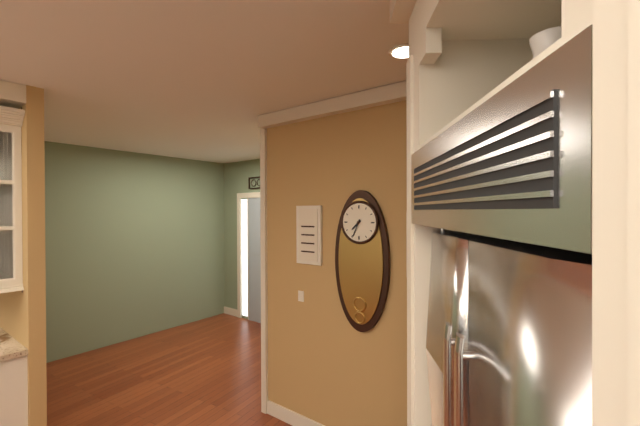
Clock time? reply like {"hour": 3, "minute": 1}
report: {"hour": 7, "minute": 34}
